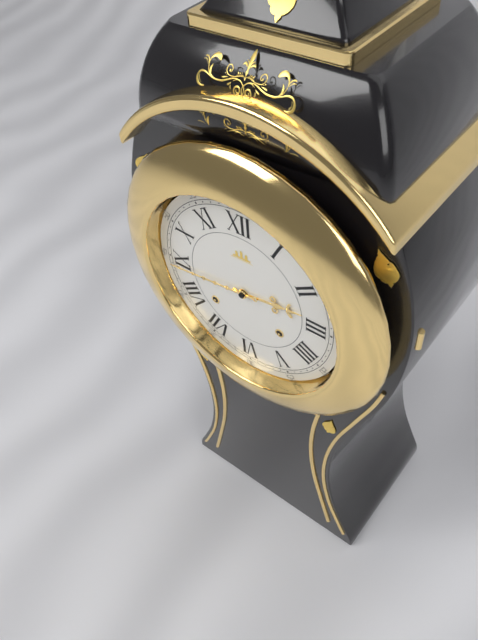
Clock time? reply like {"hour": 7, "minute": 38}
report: {"hour": 2, "minute": 44}
